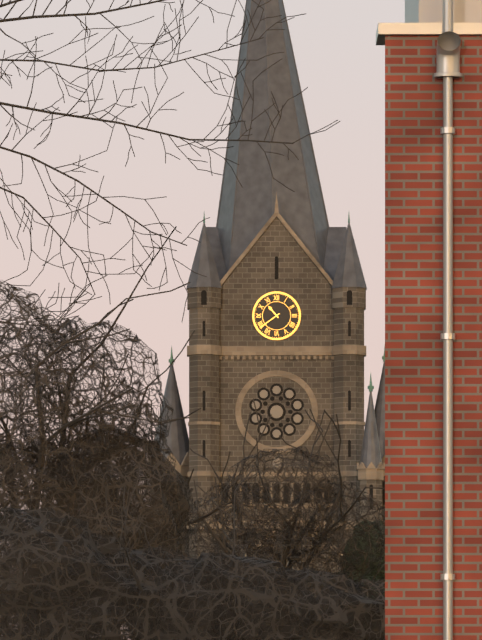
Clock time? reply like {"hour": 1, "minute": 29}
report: {"hour": 10, "minute": 39}
